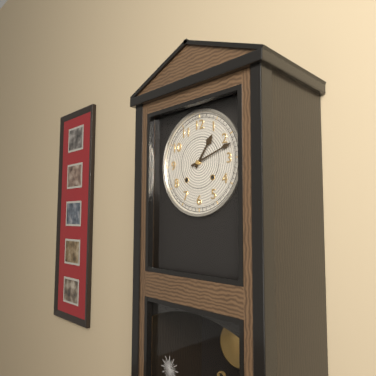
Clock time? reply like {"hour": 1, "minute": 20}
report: {"hour": 1, "minute": 12}
